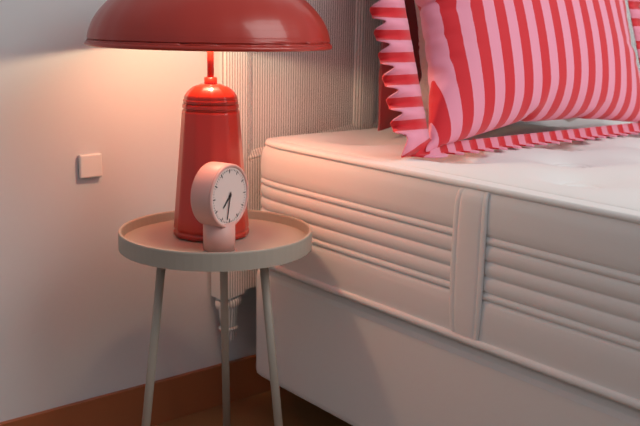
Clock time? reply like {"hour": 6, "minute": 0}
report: {"hour": 7, "minute": 32}
